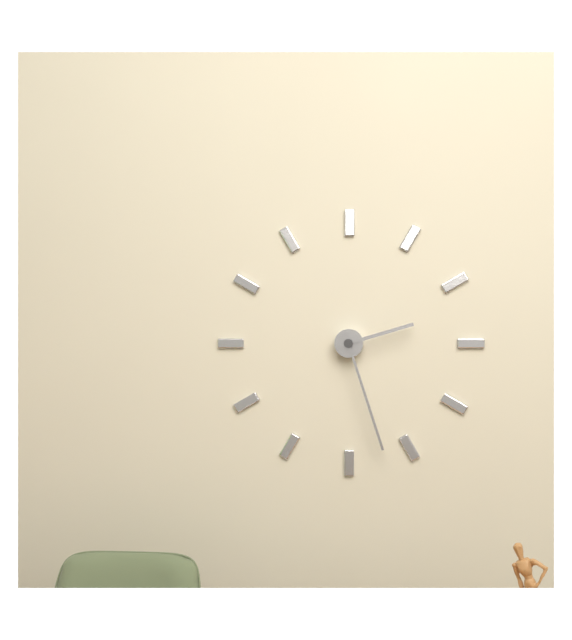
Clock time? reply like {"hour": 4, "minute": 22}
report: {"hour": 2, "minute": 27}
